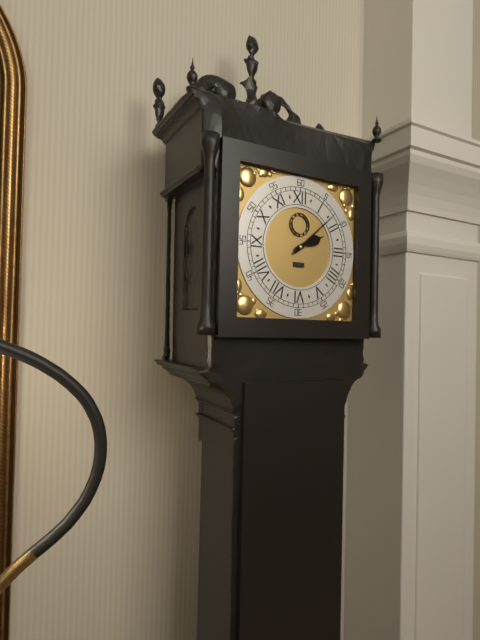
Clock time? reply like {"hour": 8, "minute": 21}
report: {"hour": 2, "minute": 8}
